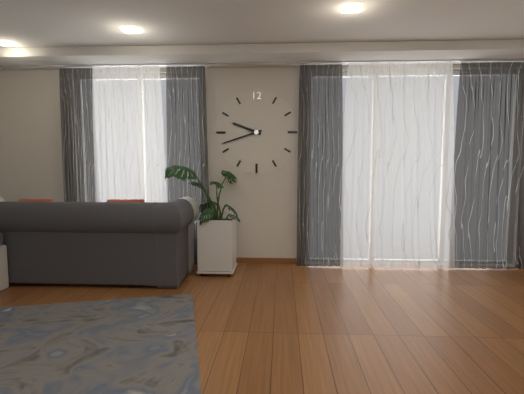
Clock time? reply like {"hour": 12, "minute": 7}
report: {"hour": 9, "minute": 42}
